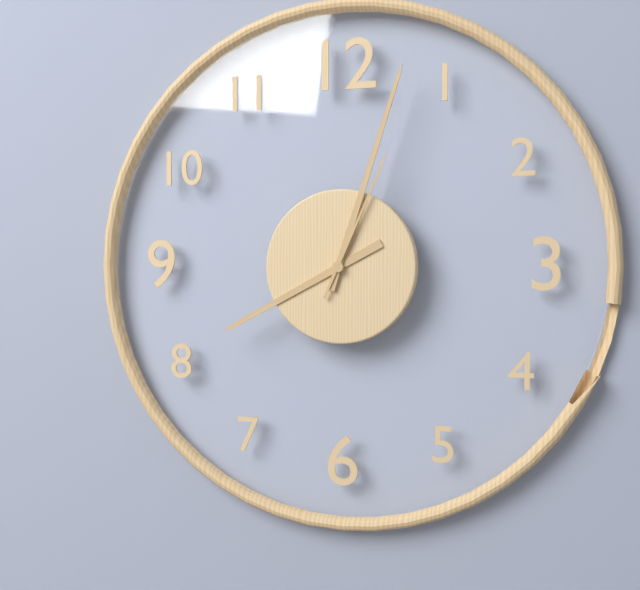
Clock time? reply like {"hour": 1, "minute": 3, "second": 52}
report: {"hour": 8, "minute": 3, "second": 4}
